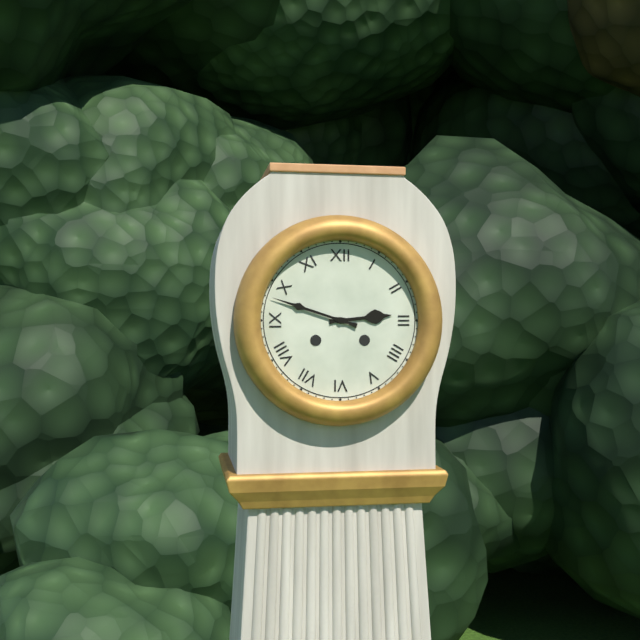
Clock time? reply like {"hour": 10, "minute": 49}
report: {"hour": 2, "minute": 48}
